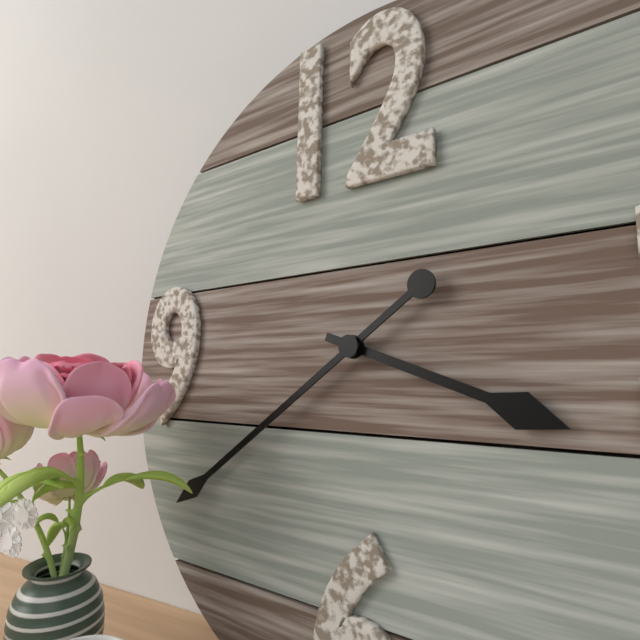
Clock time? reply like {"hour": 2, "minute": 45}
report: {"hour": 3, "minute": 39}
